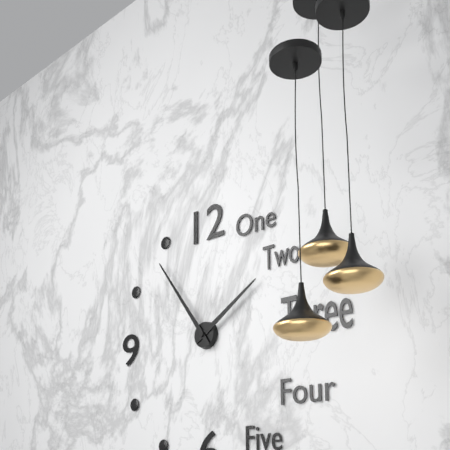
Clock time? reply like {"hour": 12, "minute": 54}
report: {"hour": 1, "minute": 54}
